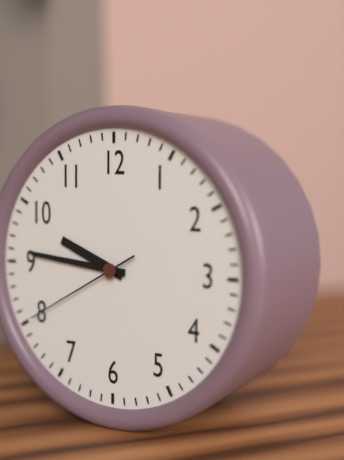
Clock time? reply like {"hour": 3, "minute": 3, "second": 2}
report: {"hour": 9, "minute": 46, "second": 40}
